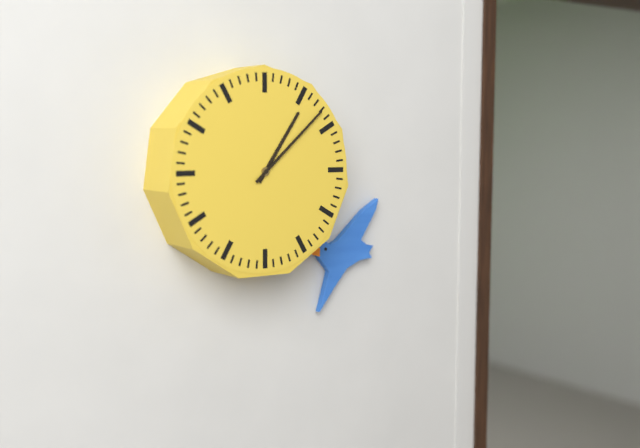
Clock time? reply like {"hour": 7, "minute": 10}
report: {"hour": 1, "minute": 8}
